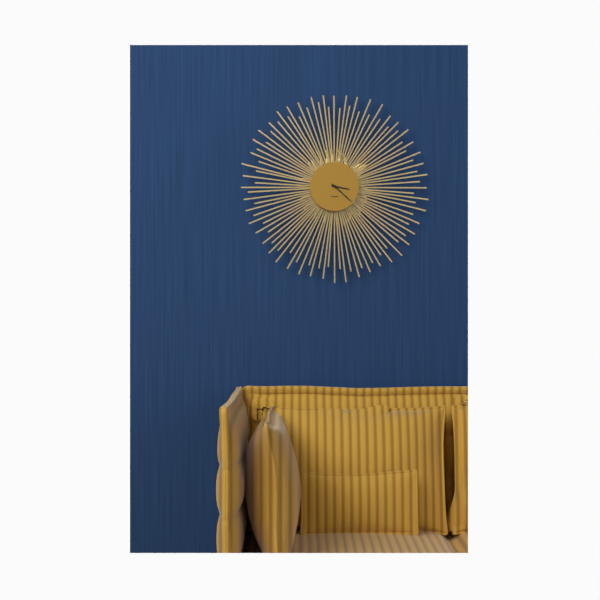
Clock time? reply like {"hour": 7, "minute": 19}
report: {"hour": 3, "minute": 22}
